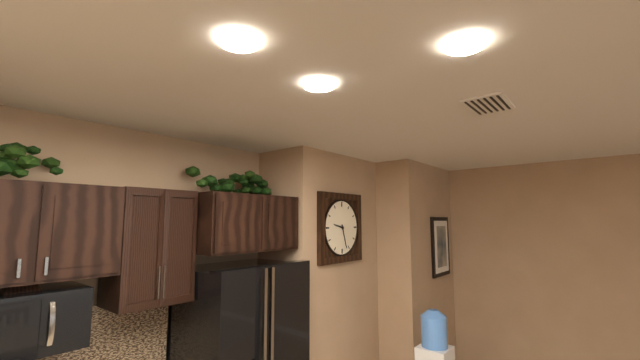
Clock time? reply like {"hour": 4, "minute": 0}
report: {"hour": 9, "minute": 27}
